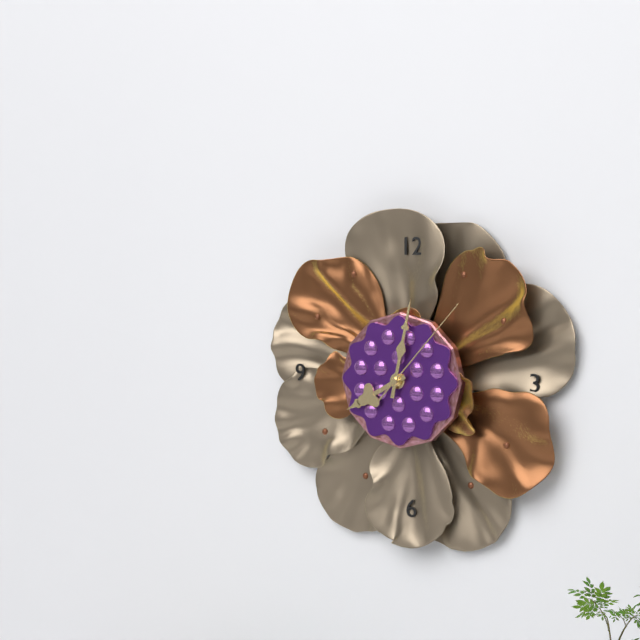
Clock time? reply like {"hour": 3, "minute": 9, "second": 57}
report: {"hour": 8, "minute": 2, "second": 7}
